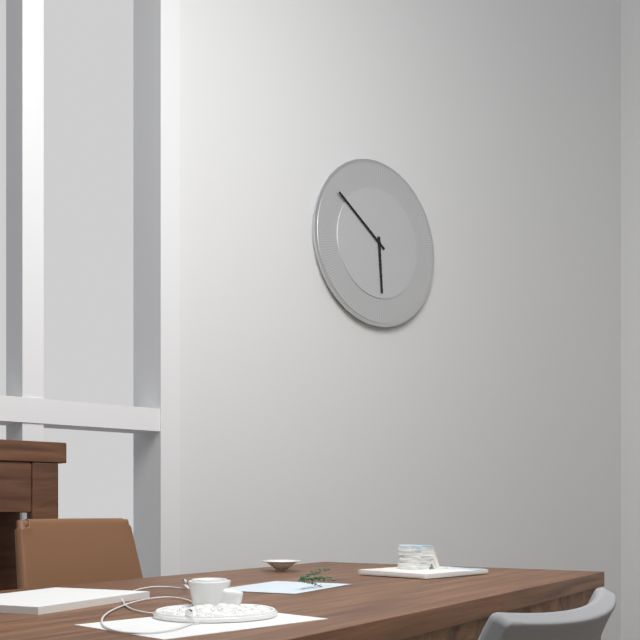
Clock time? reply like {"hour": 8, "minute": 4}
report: {"hour": 5, "minute": 51}
